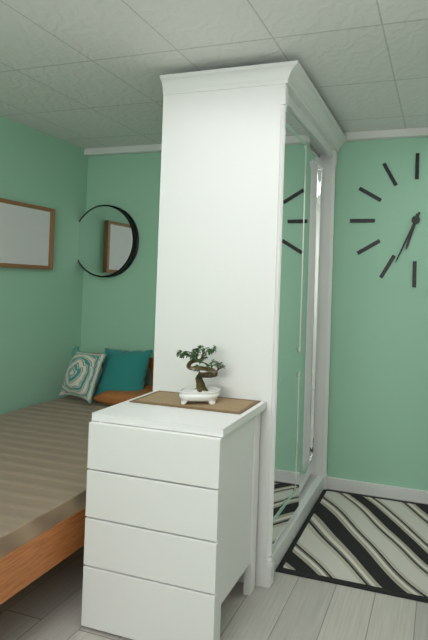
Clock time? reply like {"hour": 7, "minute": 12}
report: {"hour": 6, "minute": 34}
